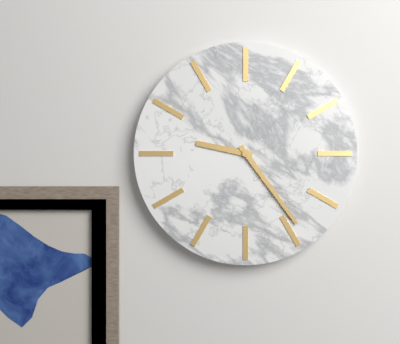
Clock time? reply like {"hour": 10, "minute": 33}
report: {"hour": 9, "minute": 24}
